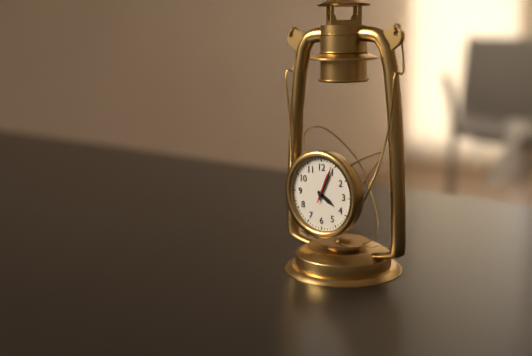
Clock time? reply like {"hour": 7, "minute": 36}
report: {"hour": 4, "minute": 4}
